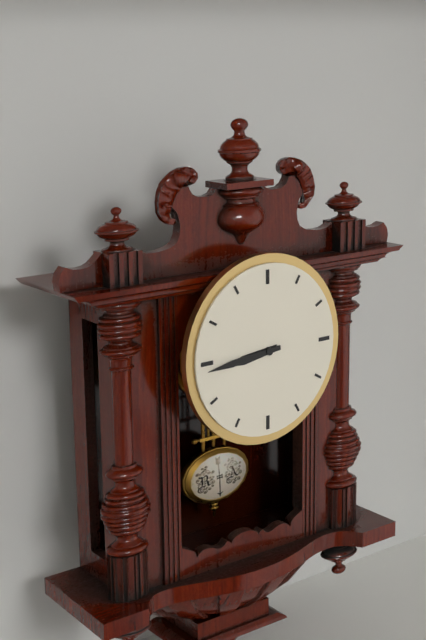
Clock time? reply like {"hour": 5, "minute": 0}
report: {"hour": 8, "minute": 44}
